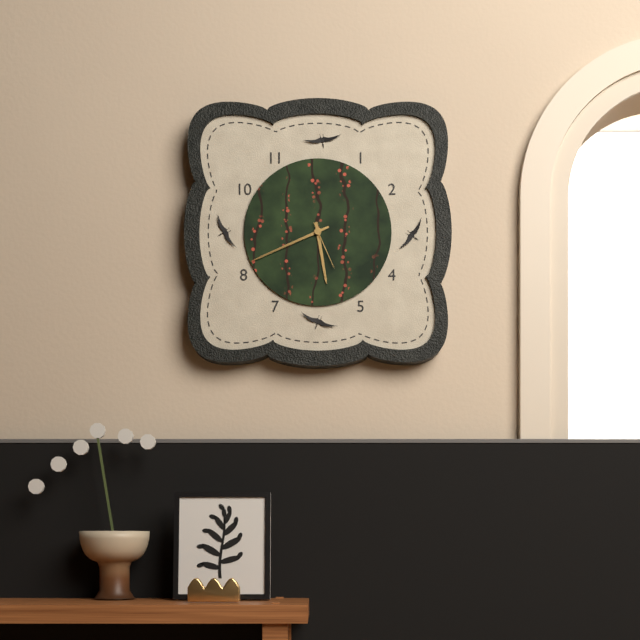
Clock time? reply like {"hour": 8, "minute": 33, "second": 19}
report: {"hour": 5, "minute": 41, "second": 26}
